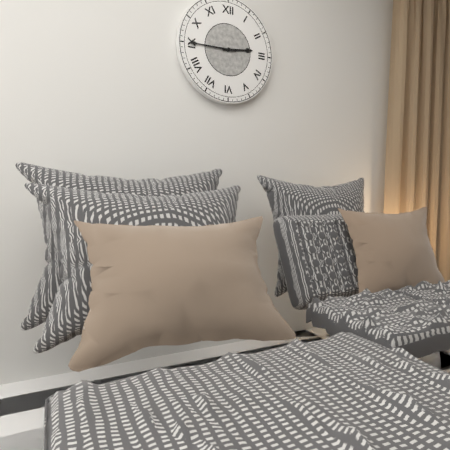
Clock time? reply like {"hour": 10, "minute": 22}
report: {"hour": 2, "minute": 45}
